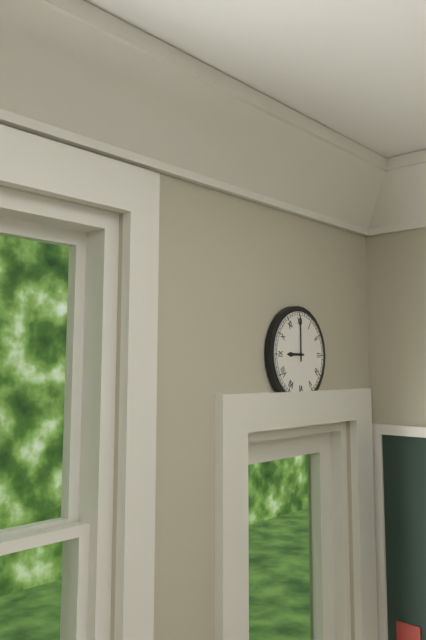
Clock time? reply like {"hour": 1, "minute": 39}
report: {"hour": 9, "minute": 0}
